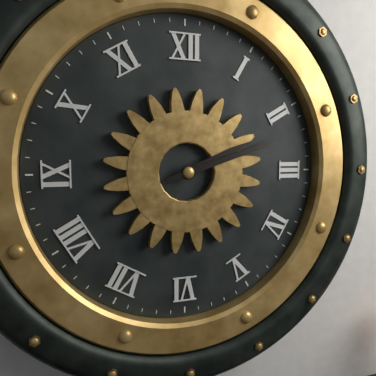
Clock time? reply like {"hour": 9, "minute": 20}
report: {"hour": 2, "minute": 12}
